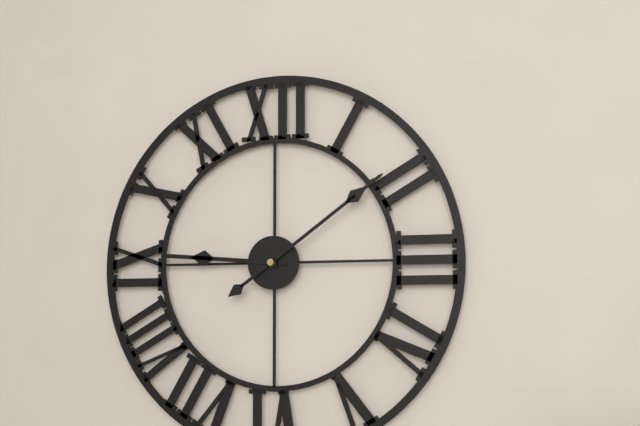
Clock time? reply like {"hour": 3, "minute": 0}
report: {"hour": 9, "minute": 9}
